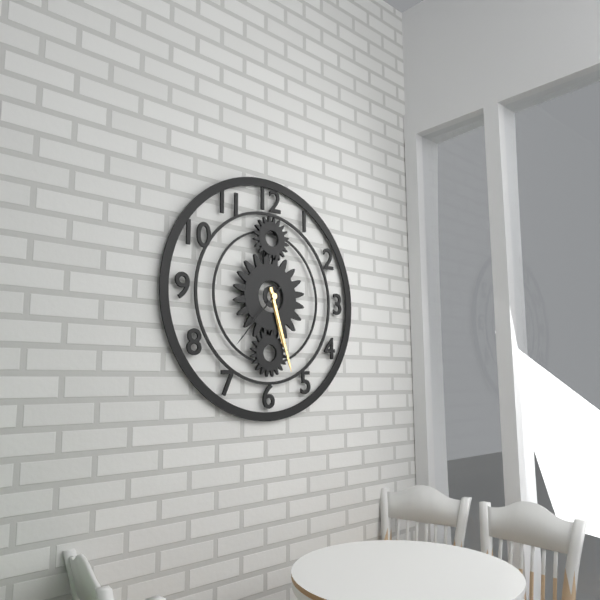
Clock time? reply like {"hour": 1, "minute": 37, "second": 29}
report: {"hour": 5, "minute": 27, "second": 37}
